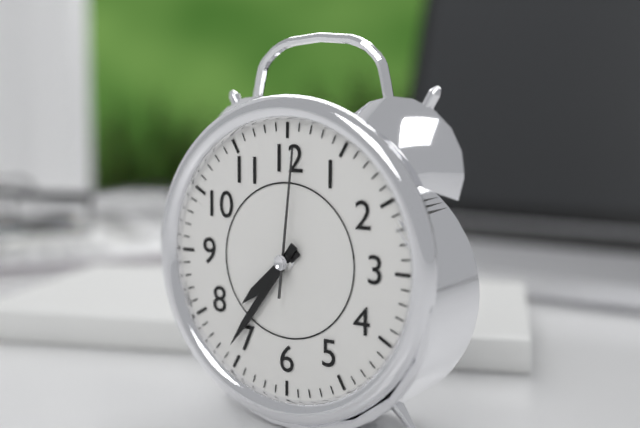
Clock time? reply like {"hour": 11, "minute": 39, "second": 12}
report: {"hour": 7, "minute": 36, "second": 1}
